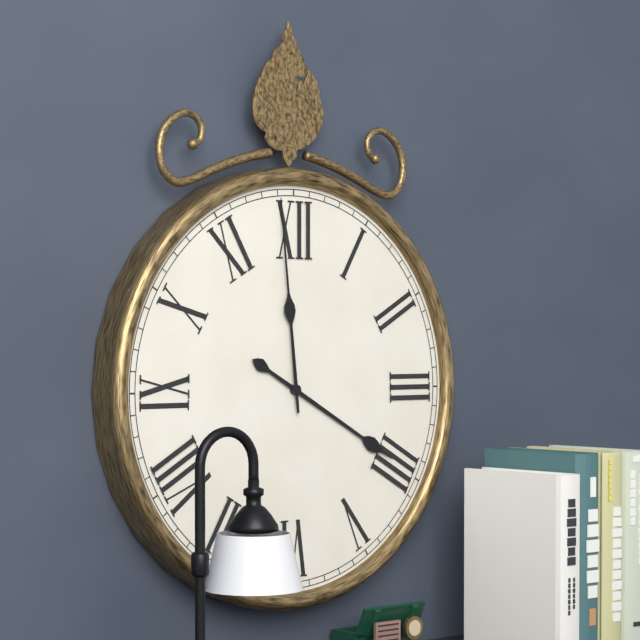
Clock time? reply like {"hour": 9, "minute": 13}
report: {"hour": 3, "minute": 59}
